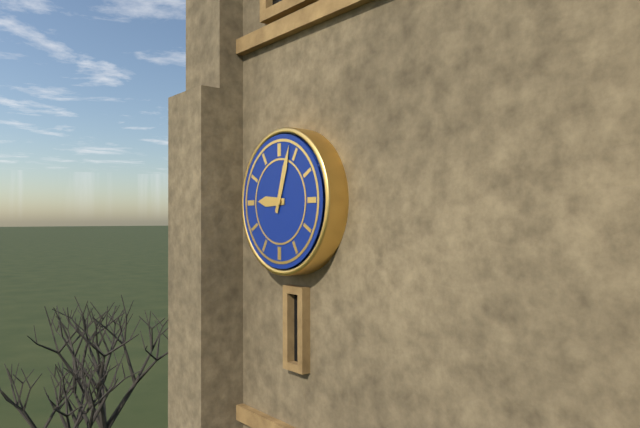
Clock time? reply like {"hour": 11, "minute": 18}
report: {"hour": 9, "minute": 3}
